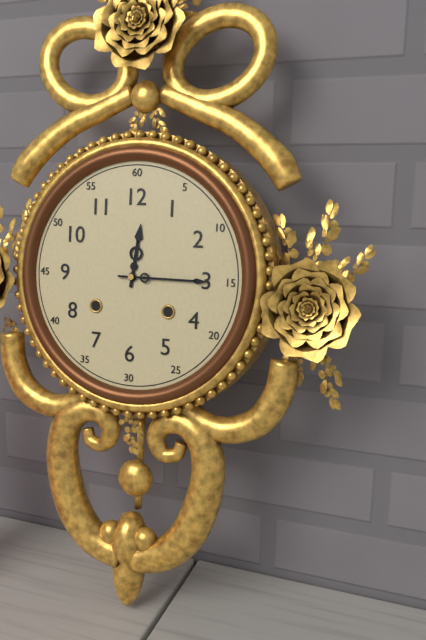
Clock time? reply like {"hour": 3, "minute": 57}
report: {"hour": 12, "minute": 15}
